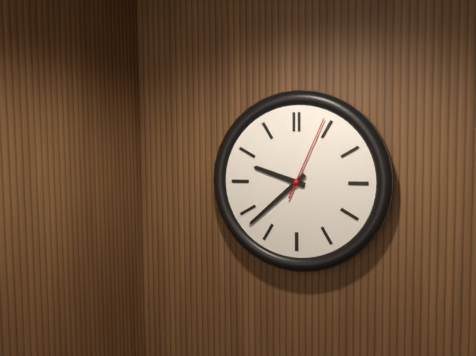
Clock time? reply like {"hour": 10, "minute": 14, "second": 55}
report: {"hour": 9, "minute": 38, "second": 4}
